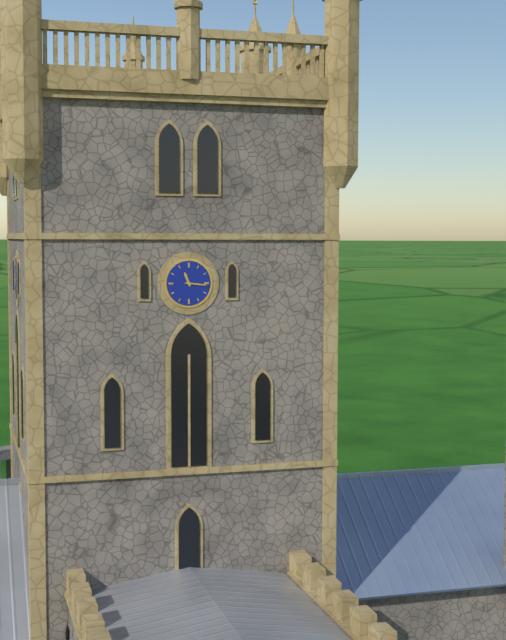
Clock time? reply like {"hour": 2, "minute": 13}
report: {"hour": 11, "minute": 16}
